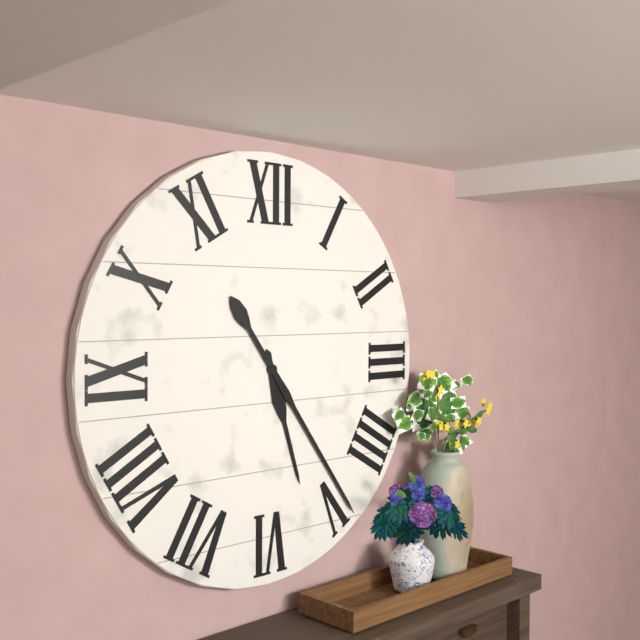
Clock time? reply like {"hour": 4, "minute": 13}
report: {"hour": 5, "minute": 24}
